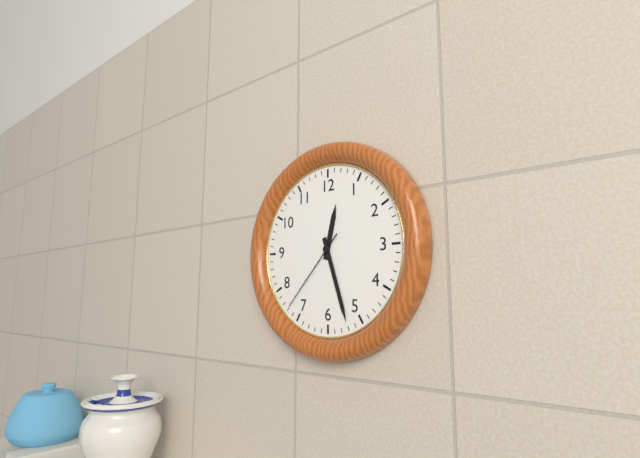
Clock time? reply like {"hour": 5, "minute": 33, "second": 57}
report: {"hour": 12, "minute": 27, "second": 37}
